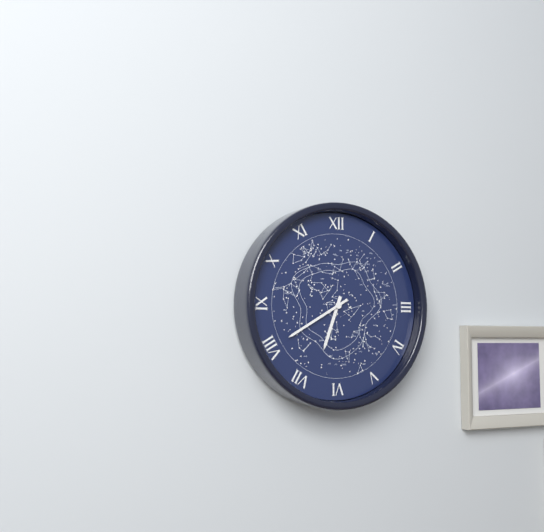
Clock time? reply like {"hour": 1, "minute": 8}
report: {"hour": 6, "minute": 40}
